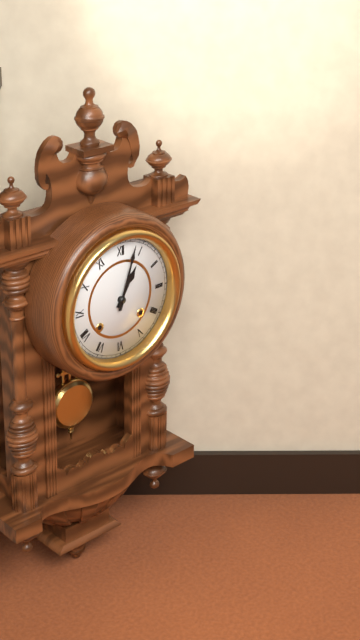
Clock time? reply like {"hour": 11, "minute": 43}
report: {"hour": 1, "minute": 3}
